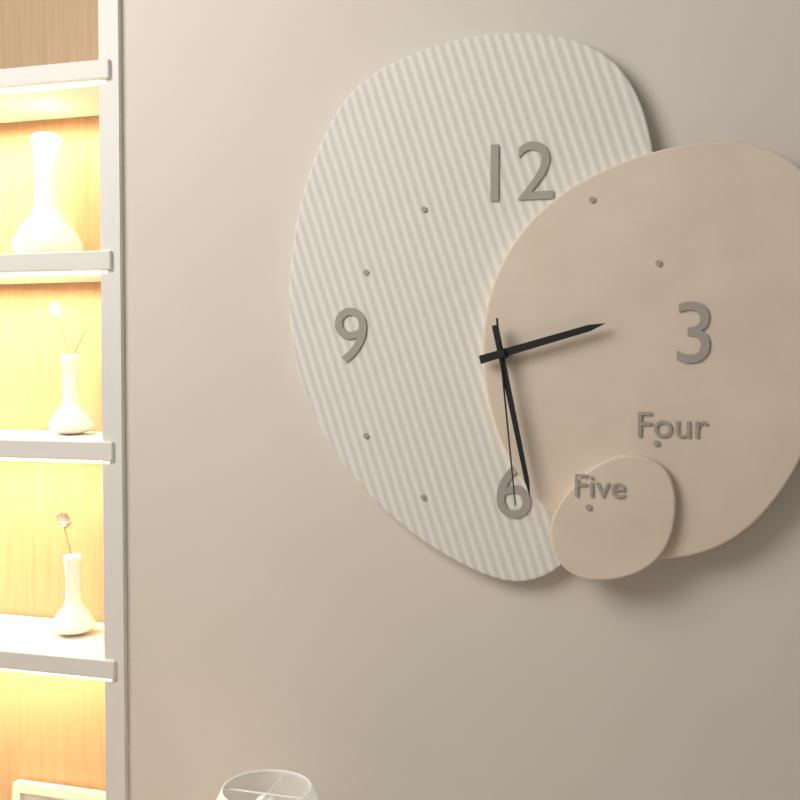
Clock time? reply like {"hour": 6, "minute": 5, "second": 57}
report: {"hour": 2, "minute": 28, "second": 29}
